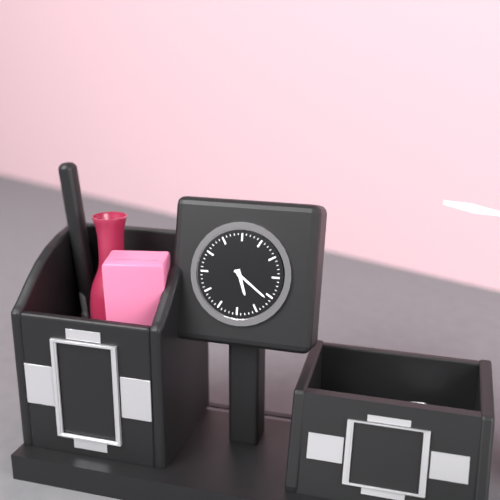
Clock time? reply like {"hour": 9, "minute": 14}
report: {"hour": 5, "minute": 21}
